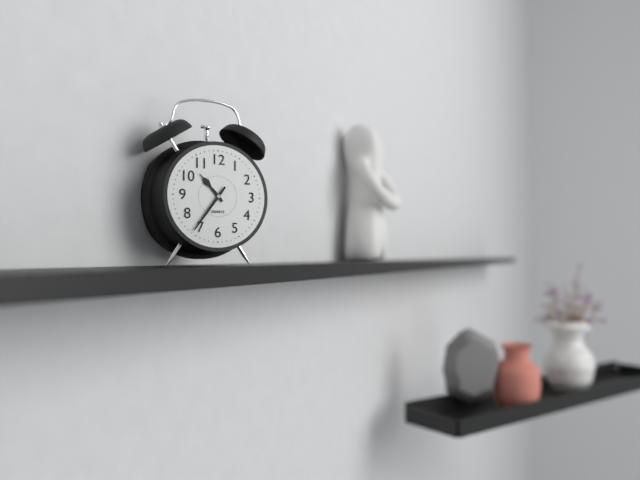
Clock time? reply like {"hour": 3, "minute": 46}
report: {"hour": 10, "minute": 36}
